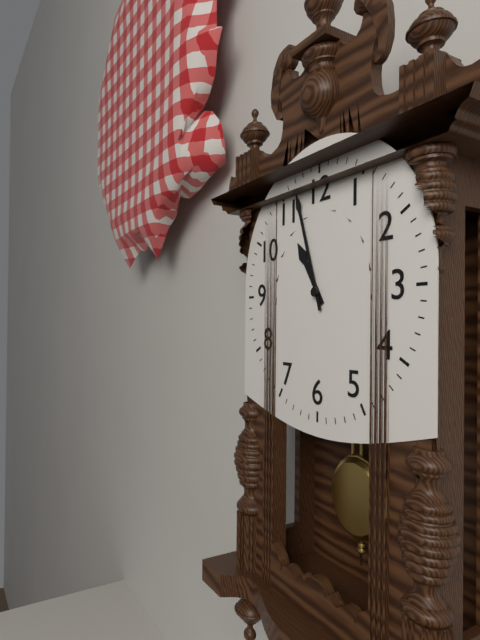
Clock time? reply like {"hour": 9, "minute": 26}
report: {"hour": 10, "minute": 57}
